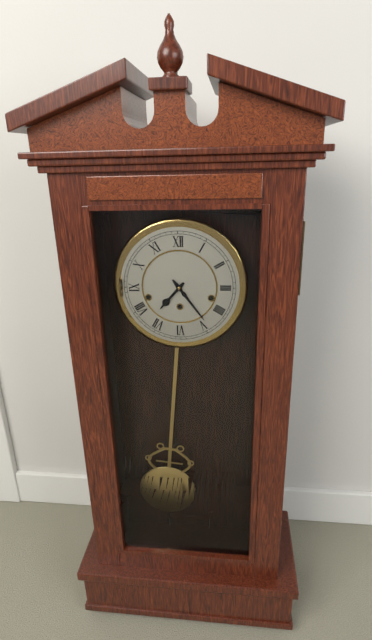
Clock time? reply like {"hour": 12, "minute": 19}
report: {"hour": 7, "minute": 24}
